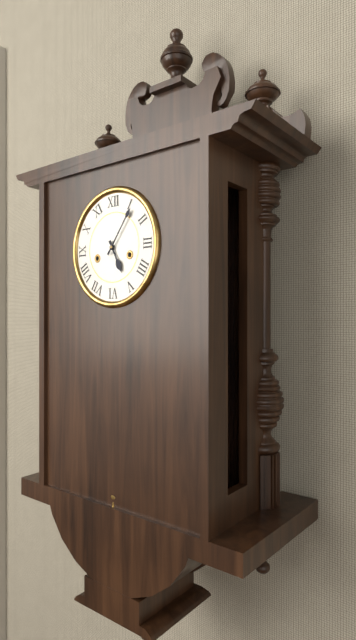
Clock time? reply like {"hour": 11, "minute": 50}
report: {"hour": 5, "minute": 6}
